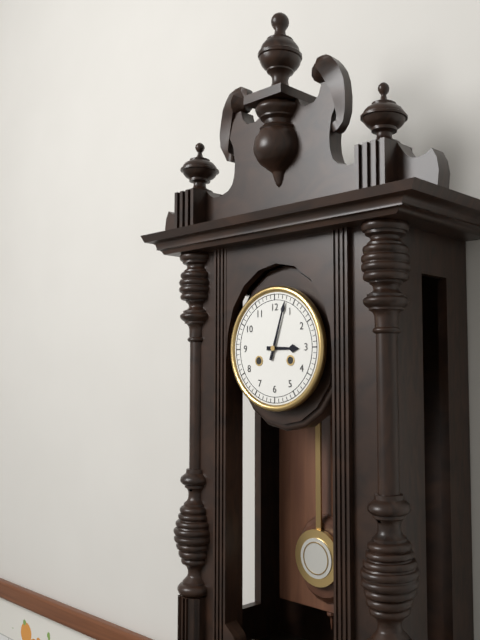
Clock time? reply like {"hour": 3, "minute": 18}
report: {"hour": 3, "minute": 3}
